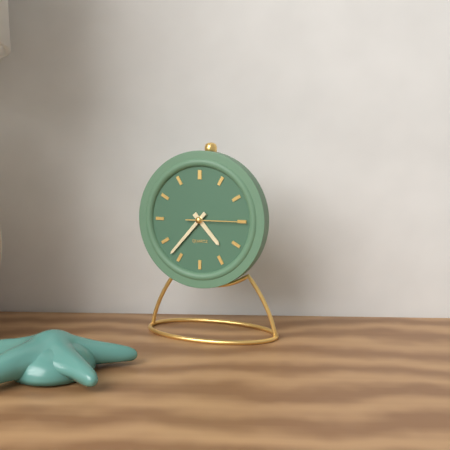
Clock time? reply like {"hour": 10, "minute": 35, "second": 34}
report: {"hour": 4, "minute": 37, "second": 15}
